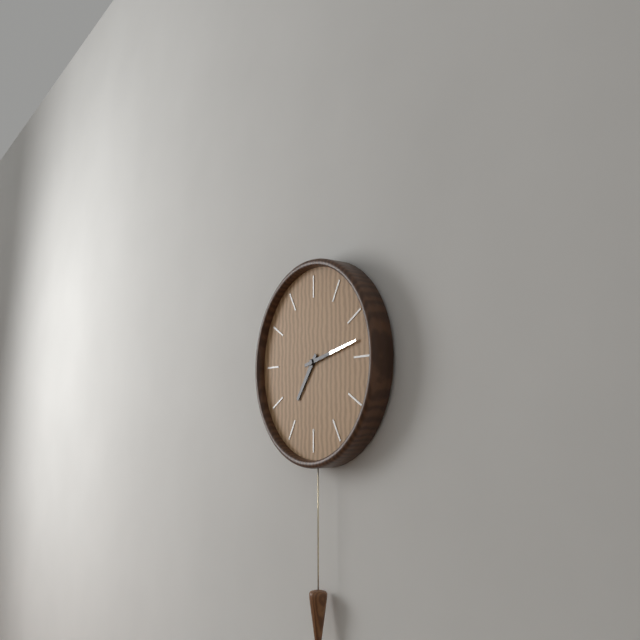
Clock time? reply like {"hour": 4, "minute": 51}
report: {"hour": 7, "minute": 13}
